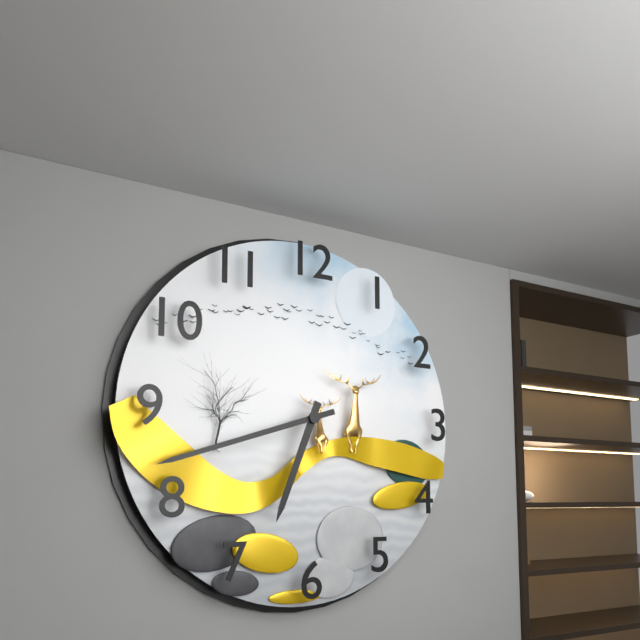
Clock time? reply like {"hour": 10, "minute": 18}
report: {"hour": 6, "minute": 42}
